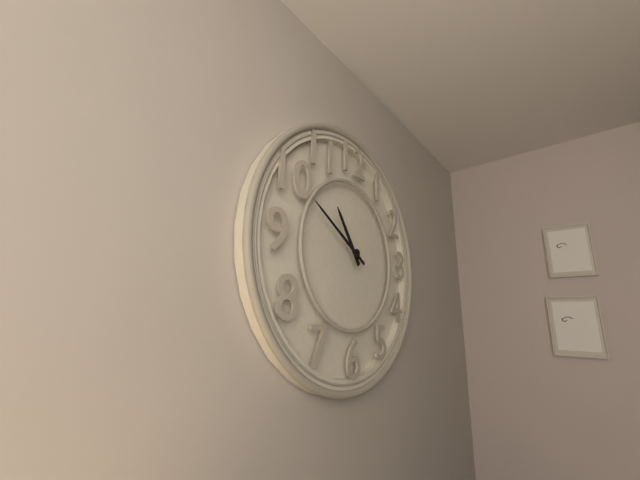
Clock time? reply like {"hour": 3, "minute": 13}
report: {"hour": 10, "minute": 50}
